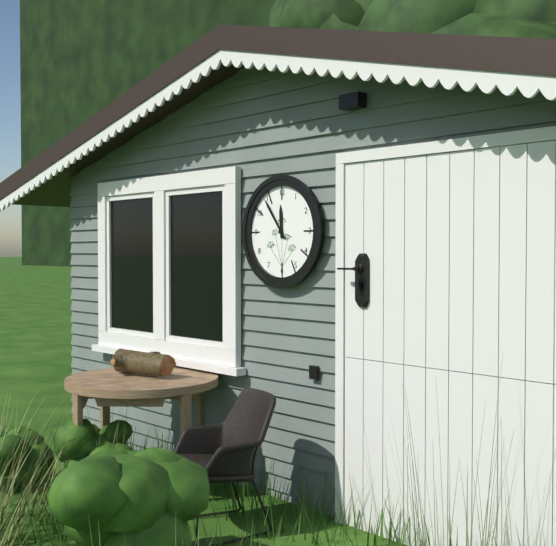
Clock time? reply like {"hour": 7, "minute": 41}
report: {"hour": 11, "minute": 54}
